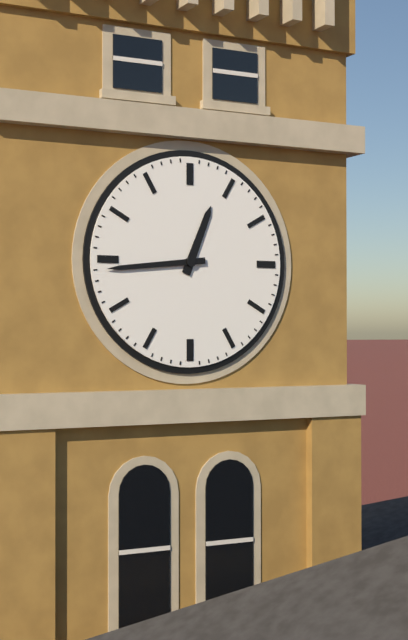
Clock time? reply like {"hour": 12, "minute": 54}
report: {"hour": 12, "minute": 44}
